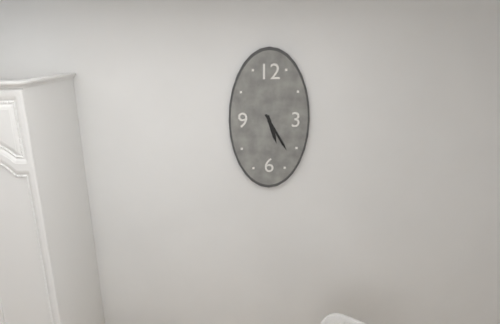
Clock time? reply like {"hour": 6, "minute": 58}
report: {"hour": 5, "minute": 25}
